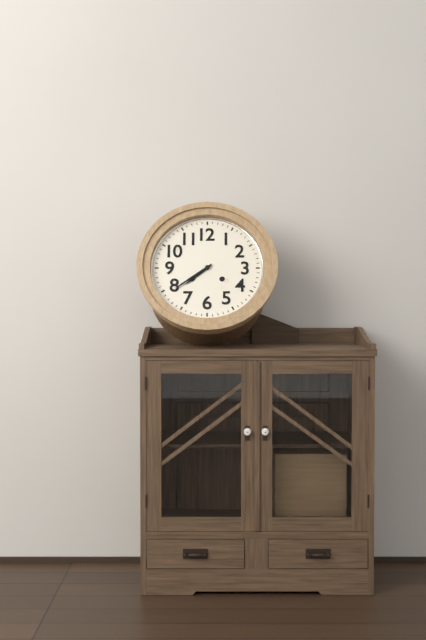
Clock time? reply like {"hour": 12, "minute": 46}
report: {"hour": 7, "minute": 39}
